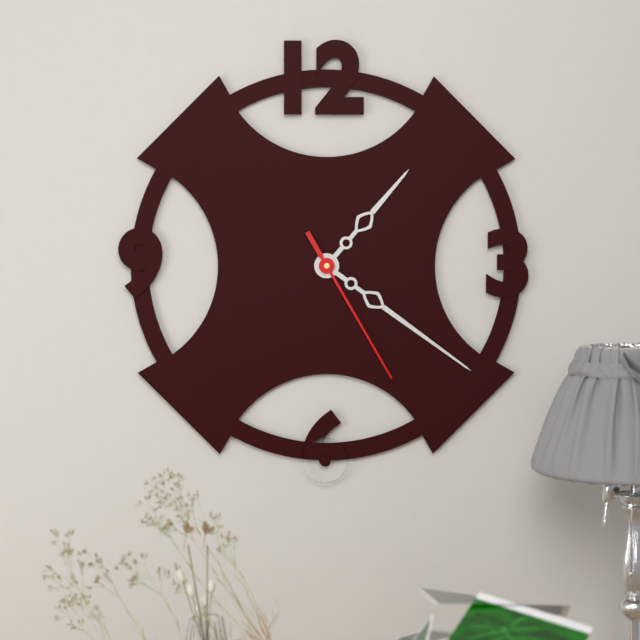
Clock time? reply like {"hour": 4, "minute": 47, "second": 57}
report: {"hour": 1, "minute": 21, "second": 25}
